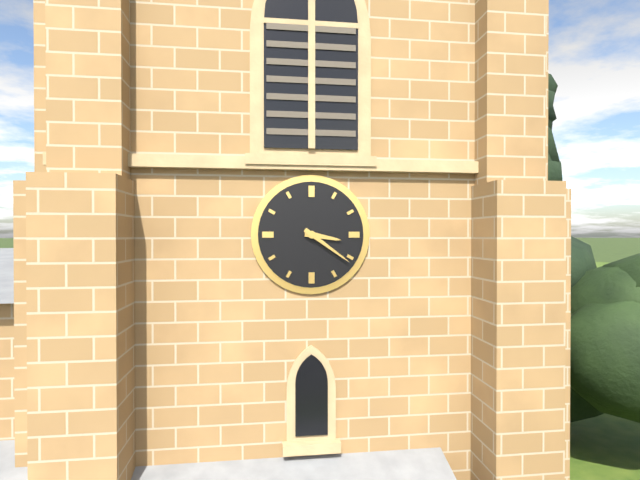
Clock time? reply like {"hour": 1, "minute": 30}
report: {"hour": 3, "minute": 21}
